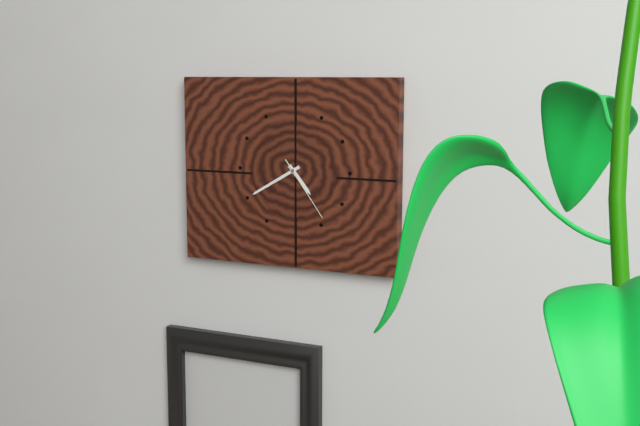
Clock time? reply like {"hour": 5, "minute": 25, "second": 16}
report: {"hour": 4, "minute": 40, "second": 24}
